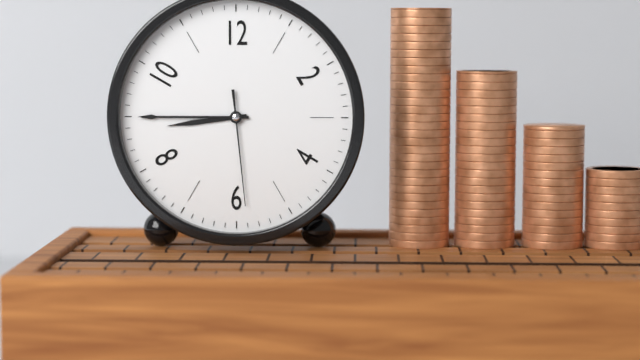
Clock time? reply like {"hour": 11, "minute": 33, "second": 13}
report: {"hour": 8, "minute": 45, "second": 29}
